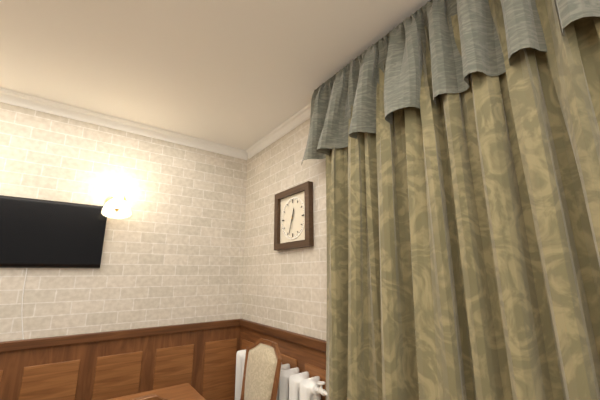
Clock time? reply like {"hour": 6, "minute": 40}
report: {"hour": 12, "minute": 33}
